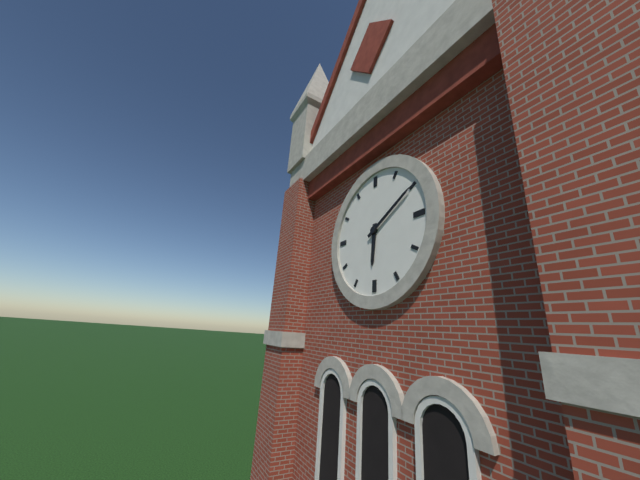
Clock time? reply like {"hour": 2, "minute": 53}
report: {"hour": 6, "minute": 10}
